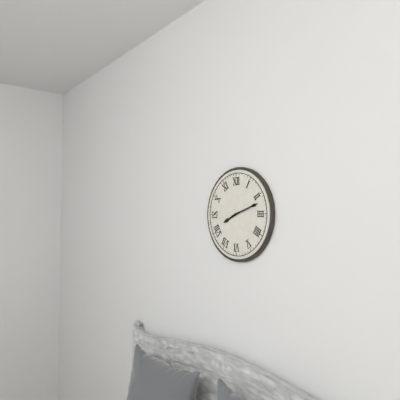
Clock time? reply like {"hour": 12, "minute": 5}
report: {"hour": 8, "minute": 12}
